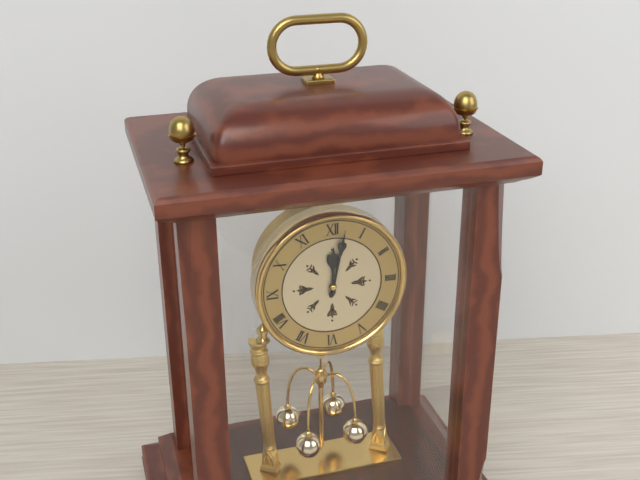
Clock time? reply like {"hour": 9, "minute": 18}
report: {"hour": 12, "minute": 2}
